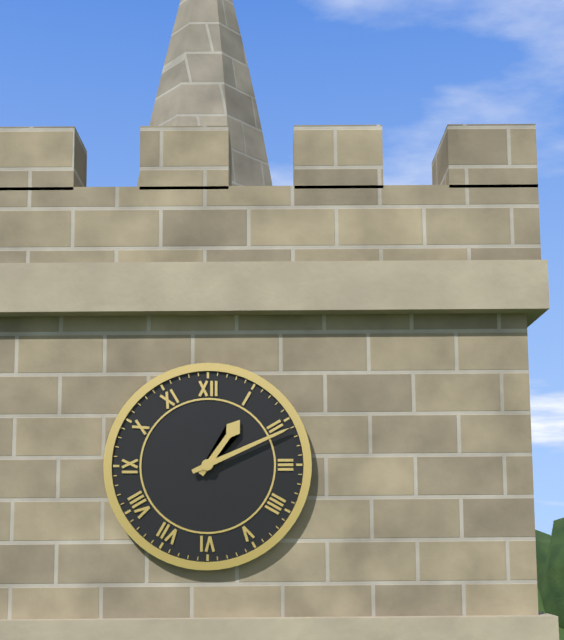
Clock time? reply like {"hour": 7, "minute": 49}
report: {"hour": 1, "minute": 11}
